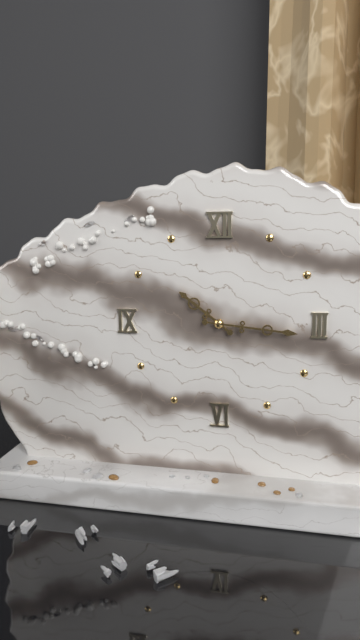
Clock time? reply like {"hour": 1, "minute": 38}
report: {"hour": 10, "minute": 16}
